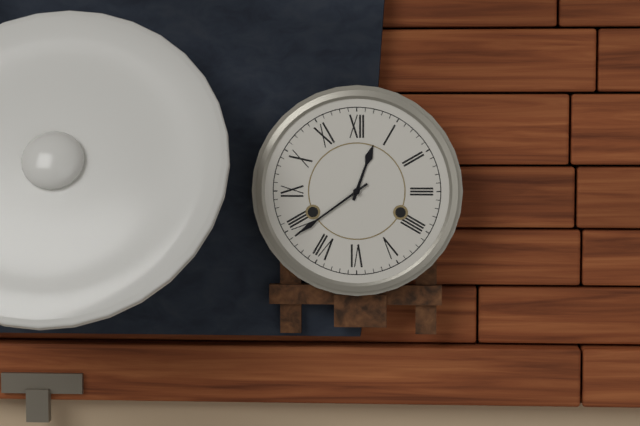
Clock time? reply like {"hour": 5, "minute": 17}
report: {"hour": 12, "minute": 39}
